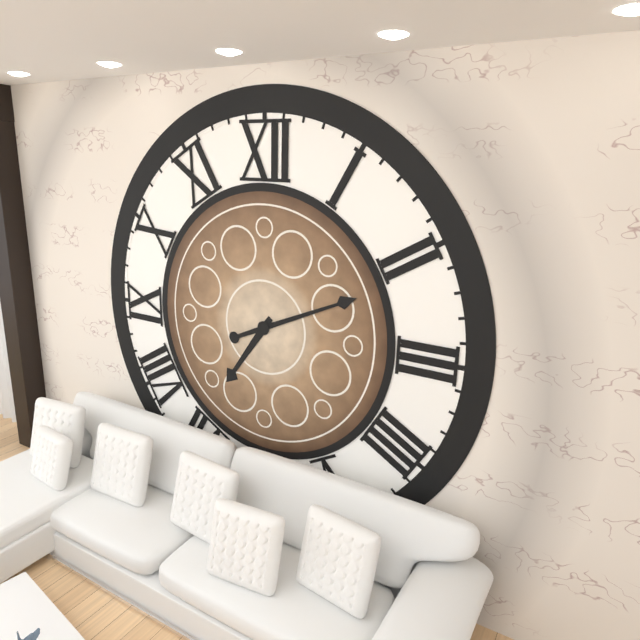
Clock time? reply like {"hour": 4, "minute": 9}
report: {"hour": 7, "minute": 11}
